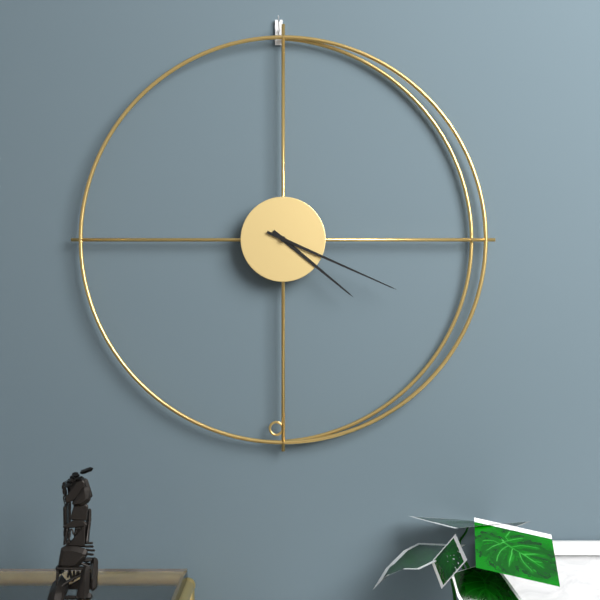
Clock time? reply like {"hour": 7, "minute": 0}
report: {"hour": 4, "minute": 19}
